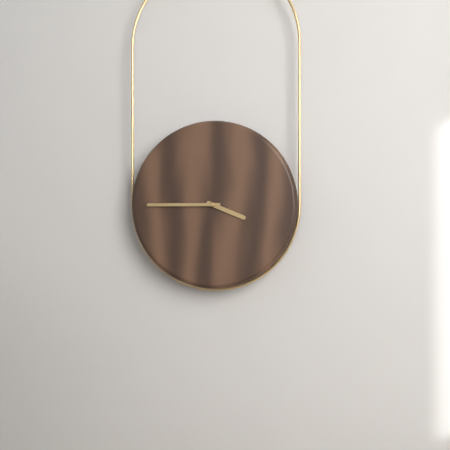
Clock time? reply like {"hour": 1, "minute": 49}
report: {"hour": 3, "minute": 45}
